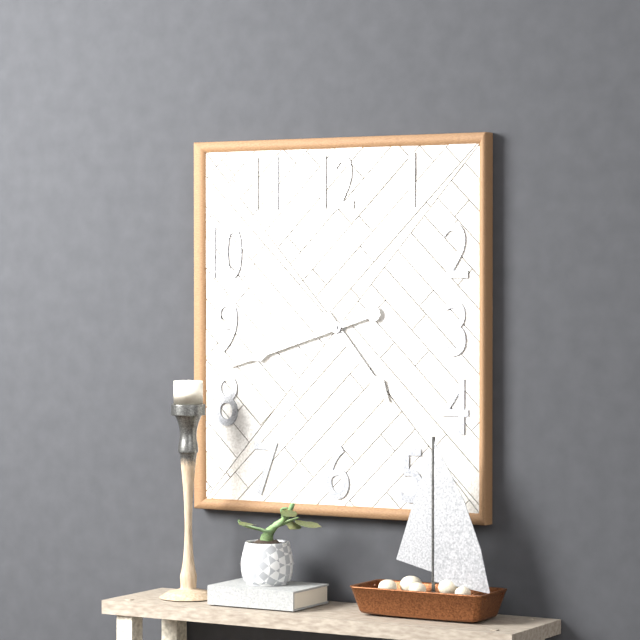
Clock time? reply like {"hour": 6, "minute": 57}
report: {"hour": 4, "minute": 42}
